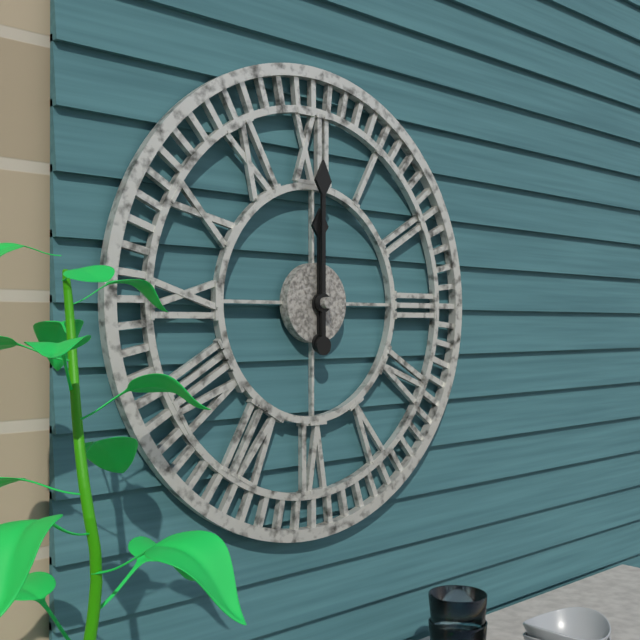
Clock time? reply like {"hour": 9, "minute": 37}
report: {"hour": 12, "minute": 0}
